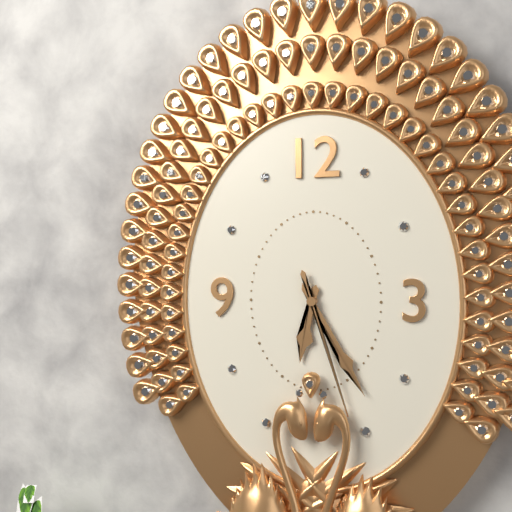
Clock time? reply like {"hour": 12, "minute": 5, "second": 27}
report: {"hour": 6, "minute": 25, "second": 27}
